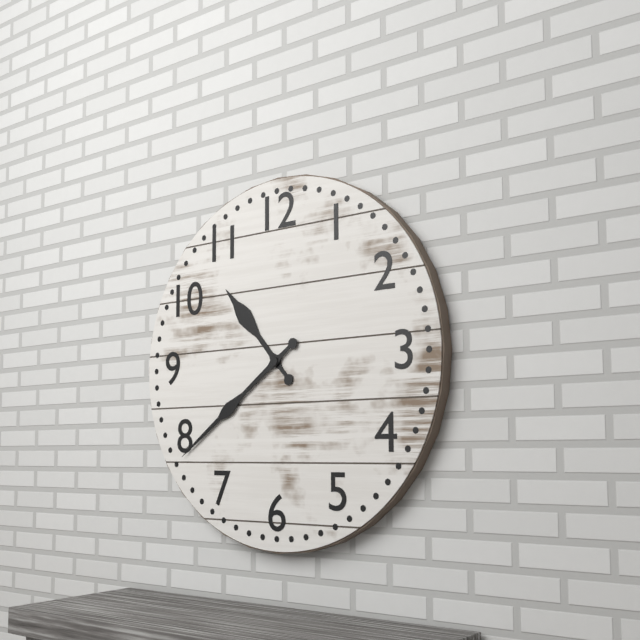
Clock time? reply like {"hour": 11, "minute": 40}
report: {"hour": 10, "minute": 39}
